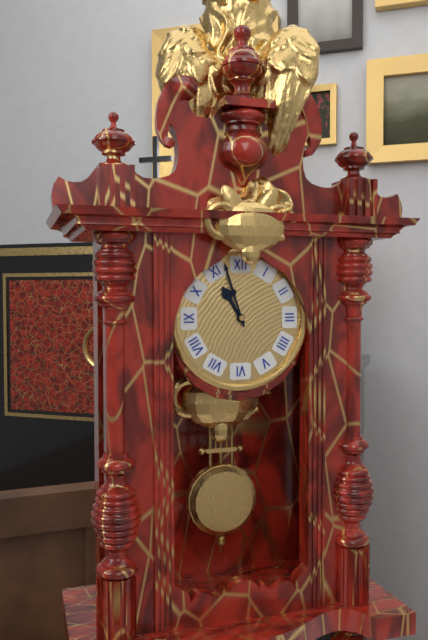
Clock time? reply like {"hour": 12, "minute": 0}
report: {"hour": 10, "minute": 57}
